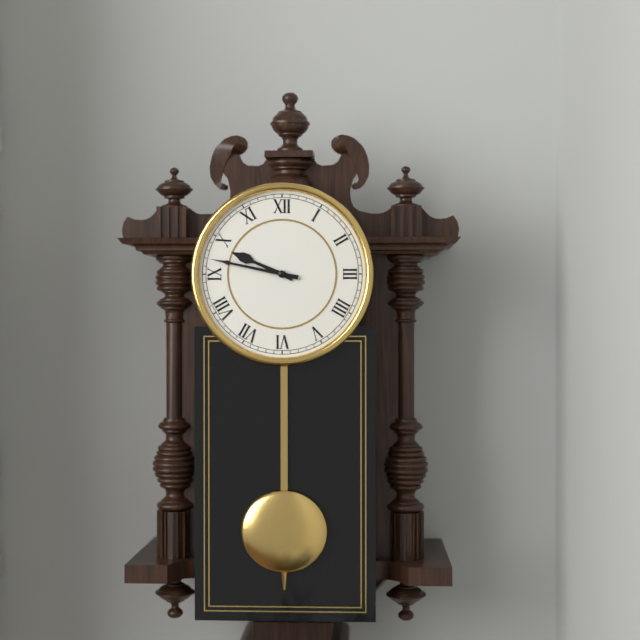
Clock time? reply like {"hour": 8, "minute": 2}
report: {"hour": 9, "minute": 47}
